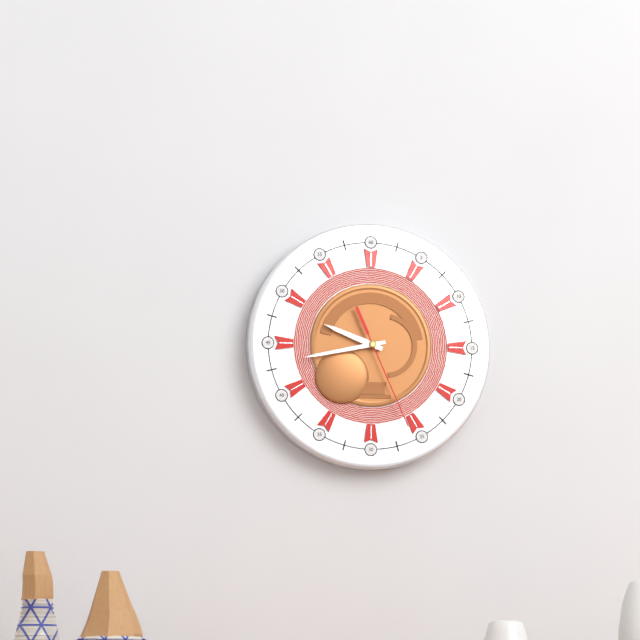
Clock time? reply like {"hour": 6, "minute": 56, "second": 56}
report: {"hour": 9, "minute": 43, "second": 26}
